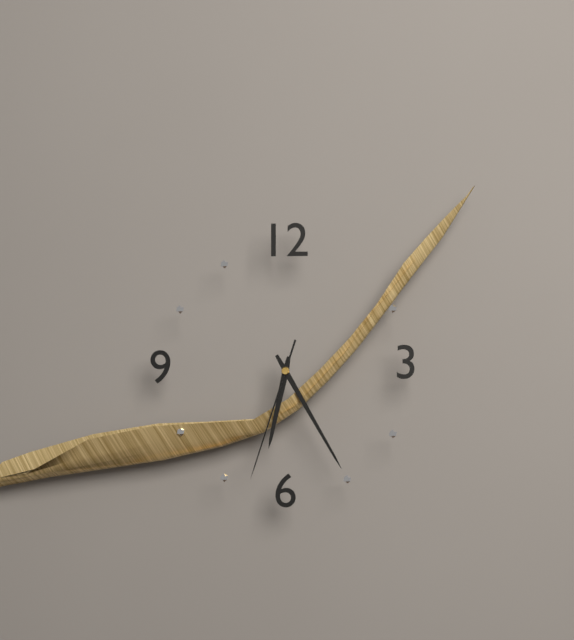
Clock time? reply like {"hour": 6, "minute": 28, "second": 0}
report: {"hour": 6, "minute": 25, "second": 33}
